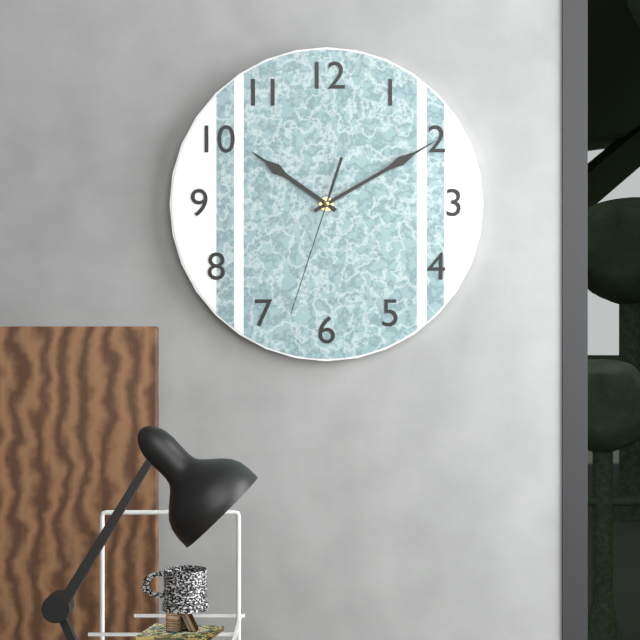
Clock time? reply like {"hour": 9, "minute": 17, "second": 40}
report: {"hour": 10, "minute": 10, "second": 33}
